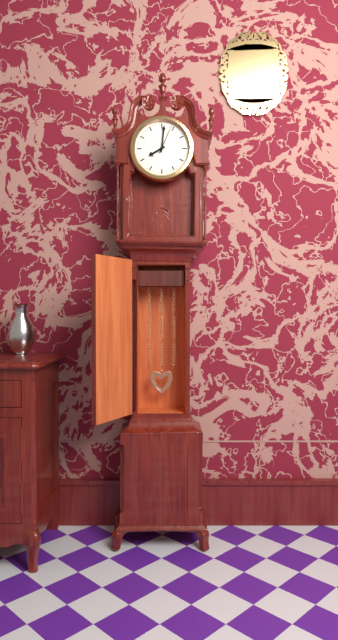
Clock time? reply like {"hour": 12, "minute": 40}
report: {"hour": 8, "minute": 1}
